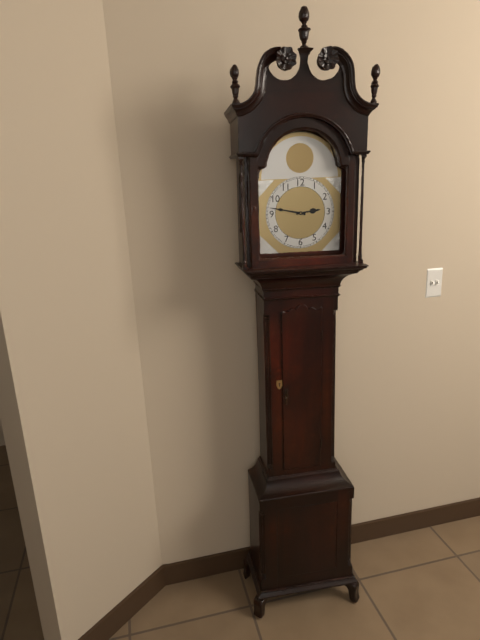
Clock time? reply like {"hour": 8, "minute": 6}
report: {"hour": 2, "minute": 47}
